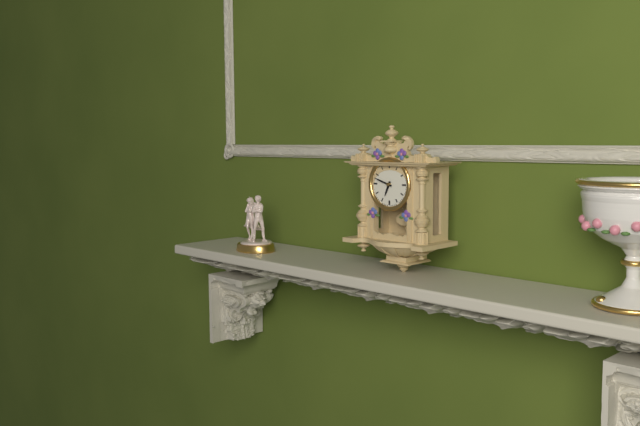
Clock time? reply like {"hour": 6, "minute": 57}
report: {"hour": 6, "minute": 48}
